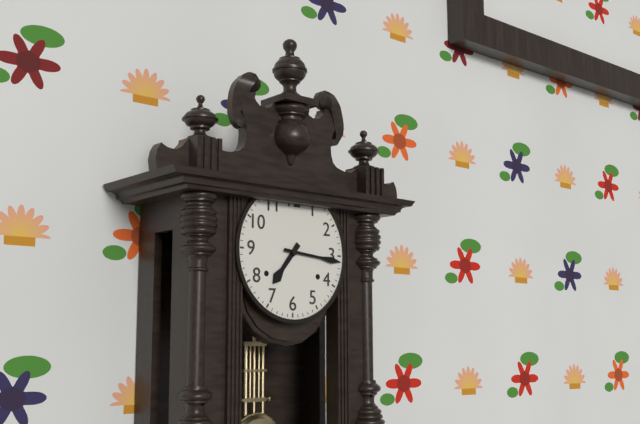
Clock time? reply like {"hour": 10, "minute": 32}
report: {"hour": 7, "minute": 16}
